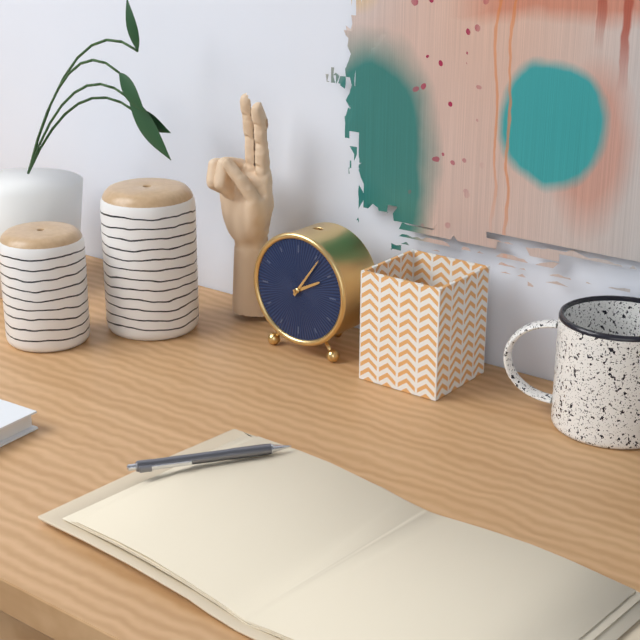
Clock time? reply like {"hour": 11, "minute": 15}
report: {"hour": 2, "minute": 6}
